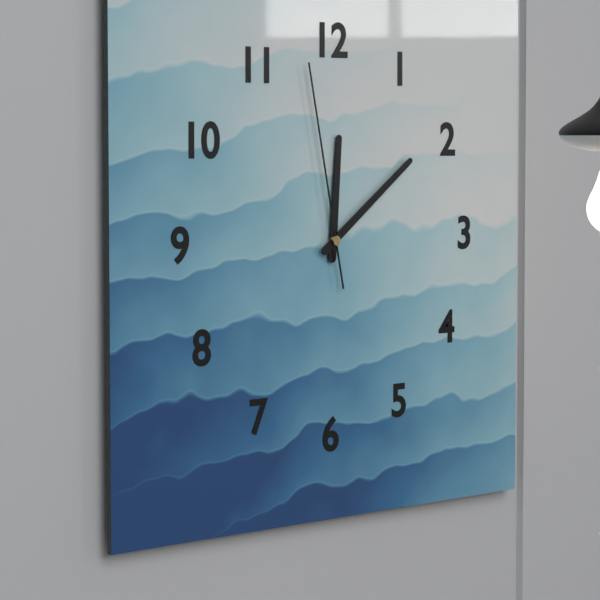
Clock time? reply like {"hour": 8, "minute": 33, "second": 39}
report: {"hour": 12, "minute": 9, "second": 58}
